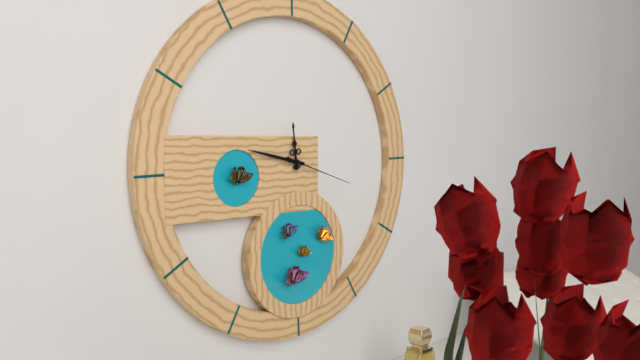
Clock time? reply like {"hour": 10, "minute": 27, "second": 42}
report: {"hour": 11, "minute": 47, "second": 18}
